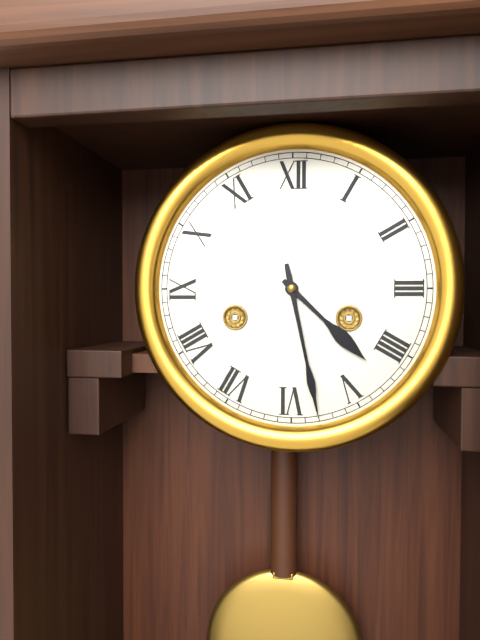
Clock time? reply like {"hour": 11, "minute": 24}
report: {"hour": 4, "minute": 28}
